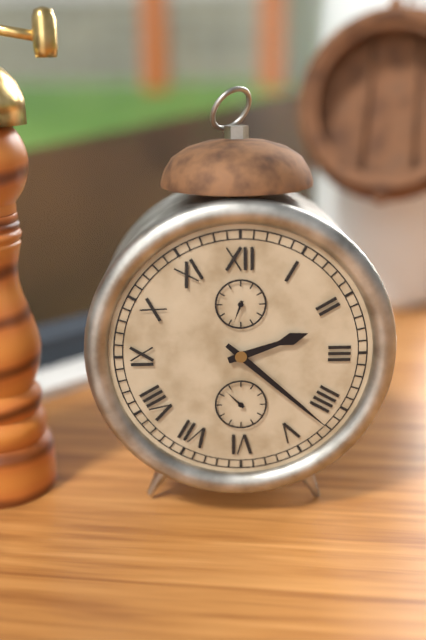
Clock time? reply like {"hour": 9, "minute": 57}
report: {"hour": 2, "minute": 22}
